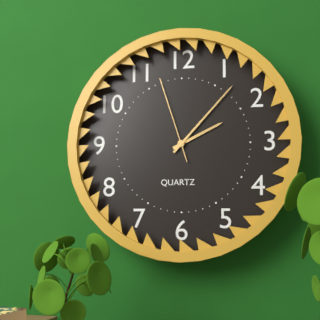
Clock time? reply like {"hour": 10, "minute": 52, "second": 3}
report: {"hour": 2, "minute": 7, "second": 57}
